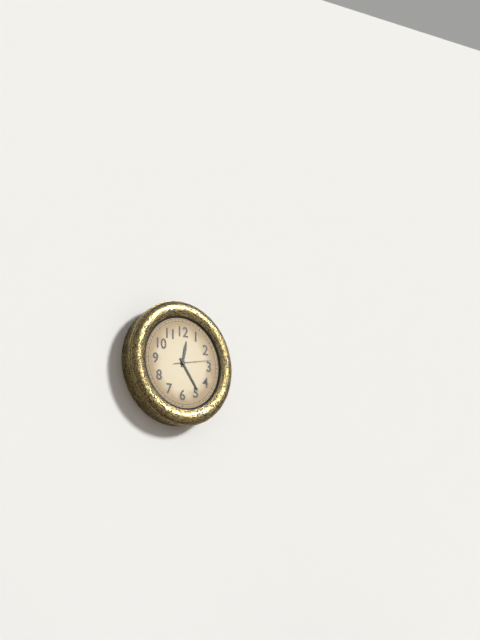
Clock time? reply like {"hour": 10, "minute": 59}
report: {"hour": 12, "minute": 24}
